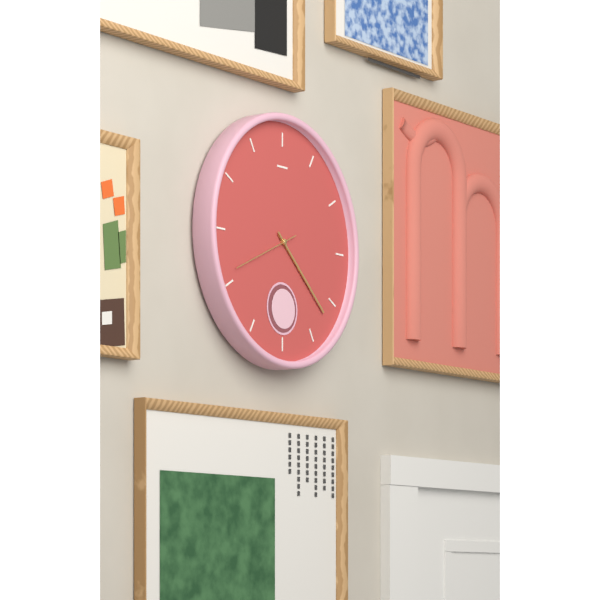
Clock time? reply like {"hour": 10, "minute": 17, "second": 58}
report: {"hour": 4, "minute": 22, "second": 41}
